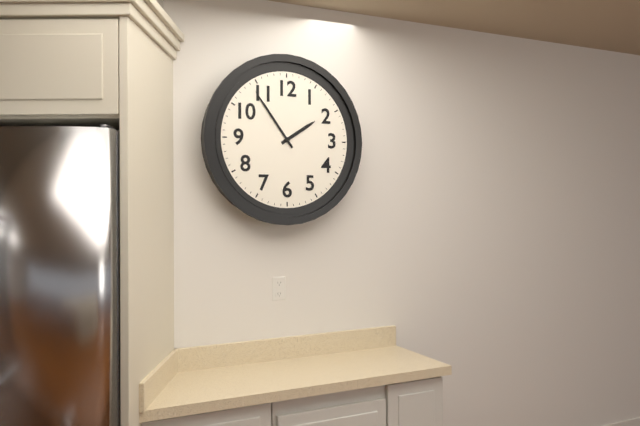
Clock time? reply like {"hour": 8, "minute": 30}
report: {"hour": 1, "minute": 54}
